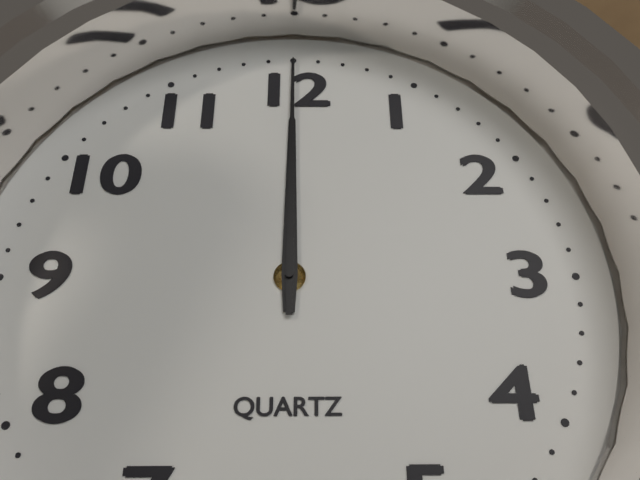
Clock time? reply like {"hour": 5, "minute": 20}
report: {"hour": 12, "minute": 0}
